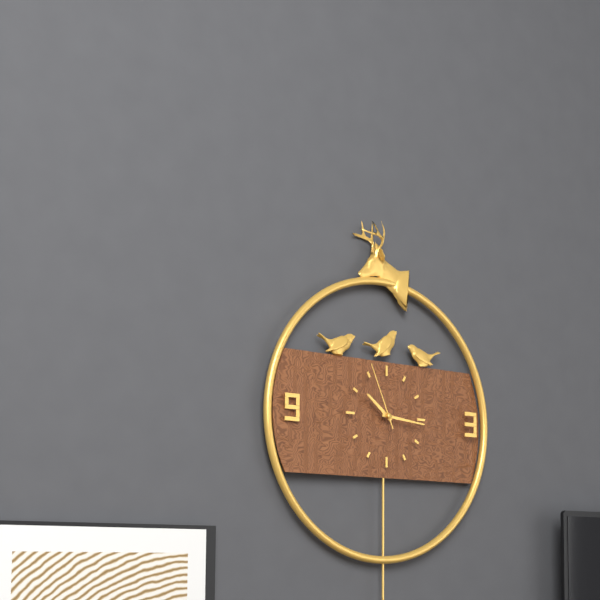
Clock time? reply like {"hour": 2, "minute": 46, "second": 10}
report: {"hour": 10, "minute": 16, "second": 56}
